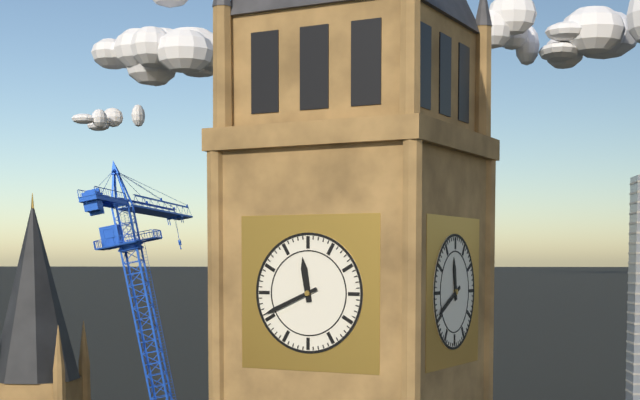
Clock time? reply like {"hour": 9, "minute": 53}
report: {"hour": 11, "minute": 41}
